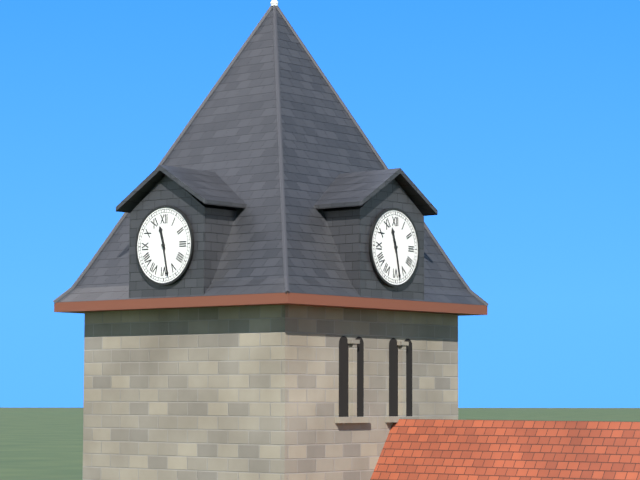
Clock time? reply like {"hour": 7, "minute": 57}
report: {"hour": 11, "minute": 28}
